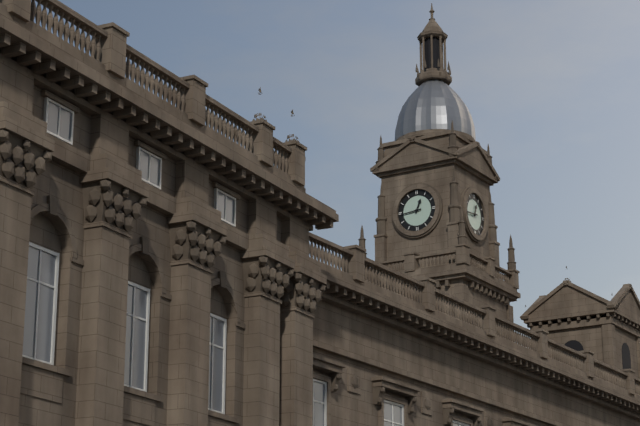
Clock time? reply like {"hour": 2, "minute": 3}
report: {"hour": 12, "minute": 44}
